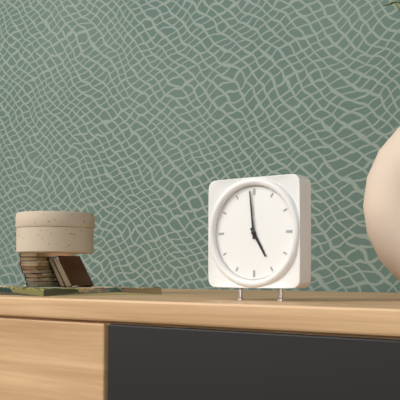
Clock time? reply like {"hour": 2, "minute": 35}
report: {"hour": 4, "minute": 59}
